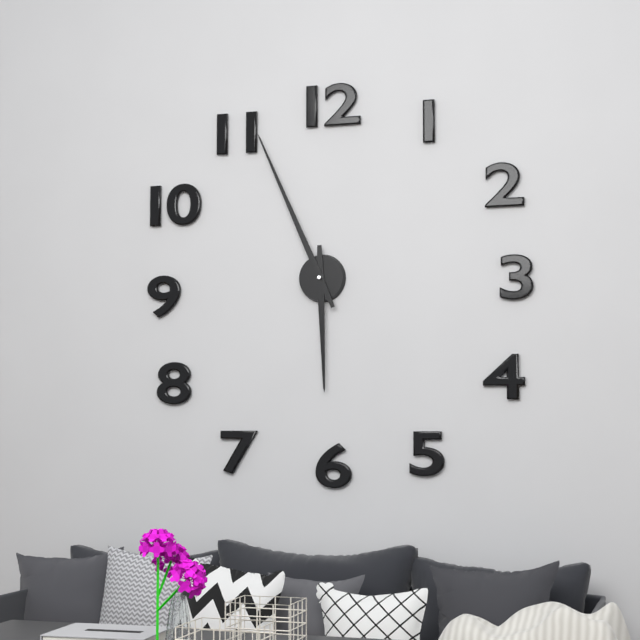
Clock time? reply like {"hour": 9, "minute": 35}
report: {"hour": 5, "minute": 56}
